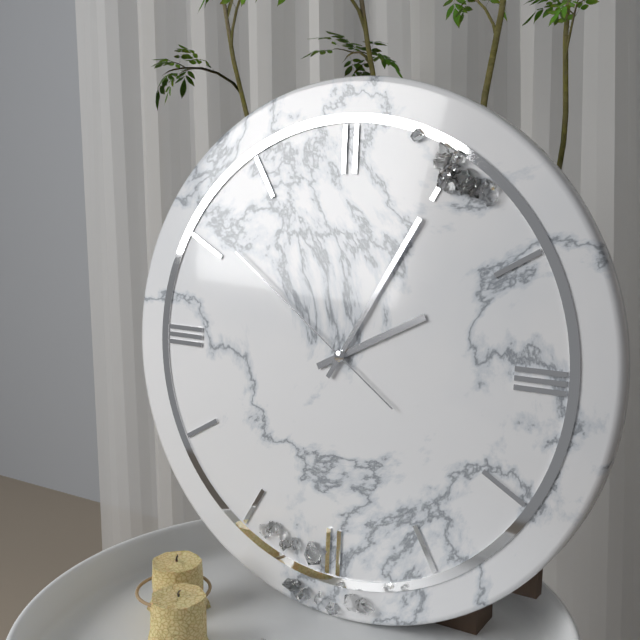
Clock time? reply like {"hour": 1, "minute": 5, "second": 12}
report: {"hour": 2, "minute": 5, "second": 51}
